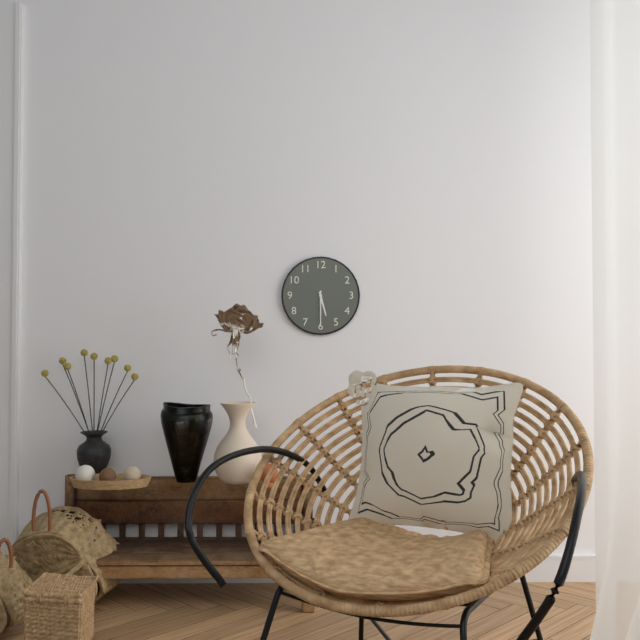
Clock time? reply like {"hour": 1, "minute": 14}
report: {"hour": 5, "minute": 30}
